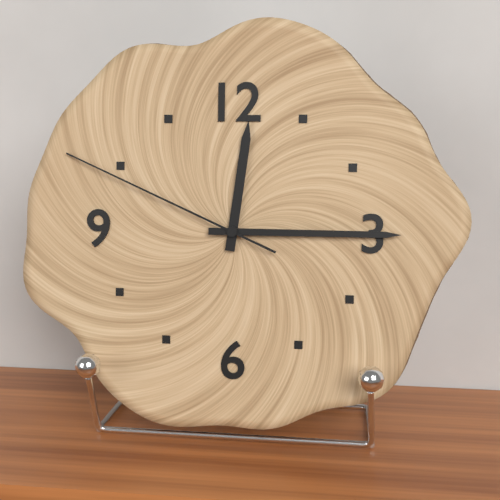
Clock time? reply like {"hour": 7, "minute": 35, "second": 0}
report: {"hour": 12, "minute": 15, "second": 49}
